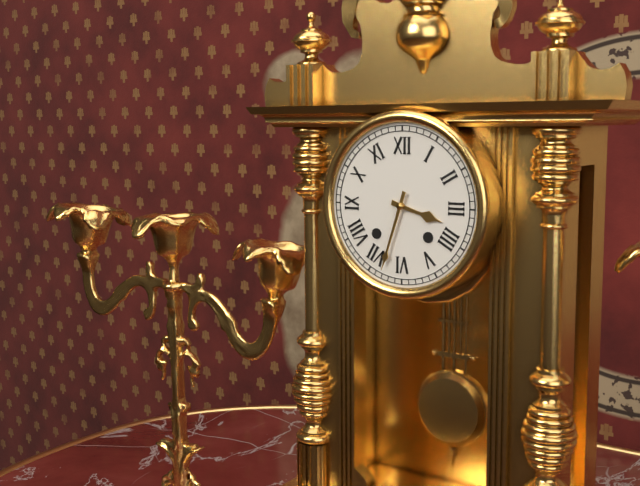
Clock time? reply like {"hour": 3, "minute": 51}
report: {"hour": 3, "minute": 33}
